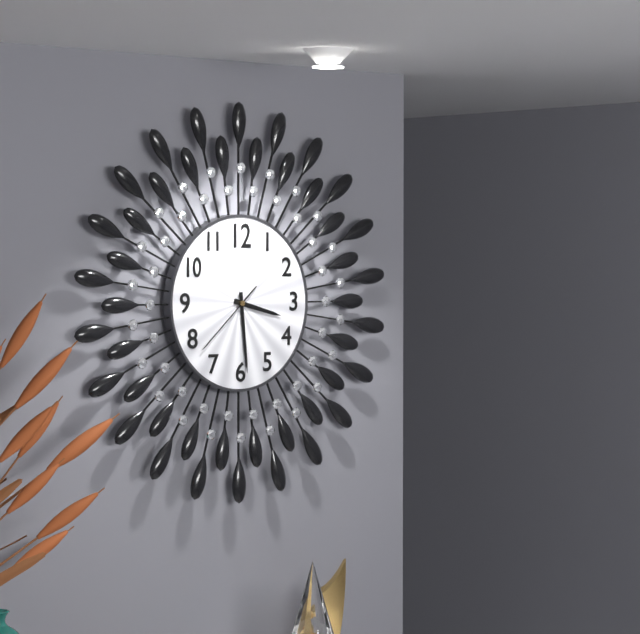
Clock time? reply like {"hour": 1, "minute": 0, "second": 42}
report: {"hour": 3, "minute": 29, "second": 38}
